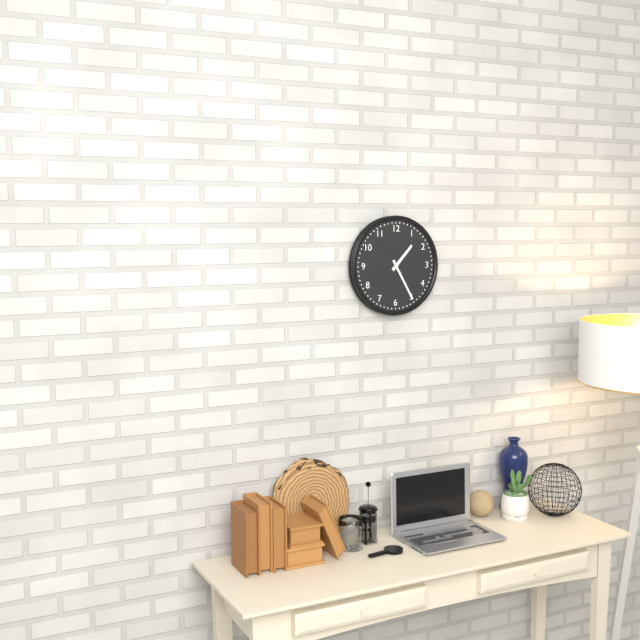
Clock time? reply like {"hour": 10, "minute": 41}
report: {"hour": 1, "minute": 25}
